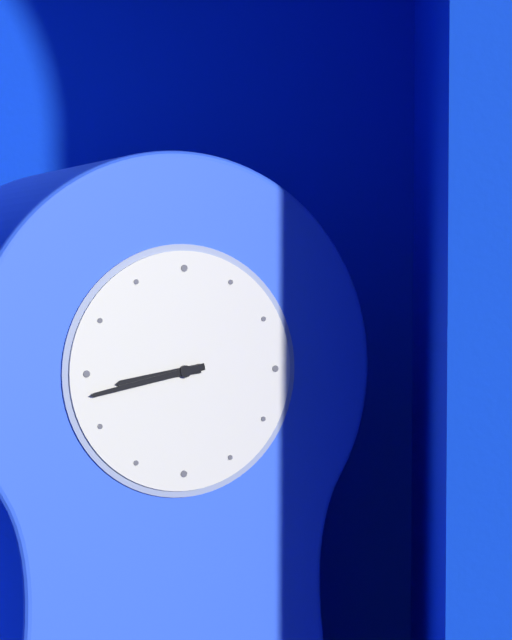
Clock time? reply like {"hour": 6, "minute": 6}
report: {"hour": 8, "minute": 43}
